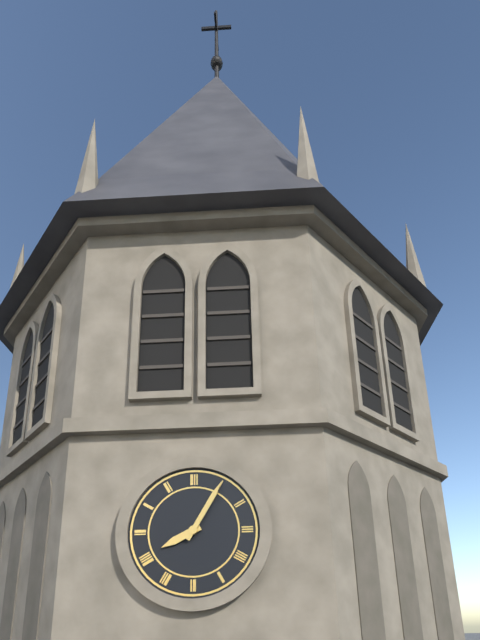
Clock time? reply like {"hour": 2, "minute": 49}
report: {"hour": 8, "minute": 5}
